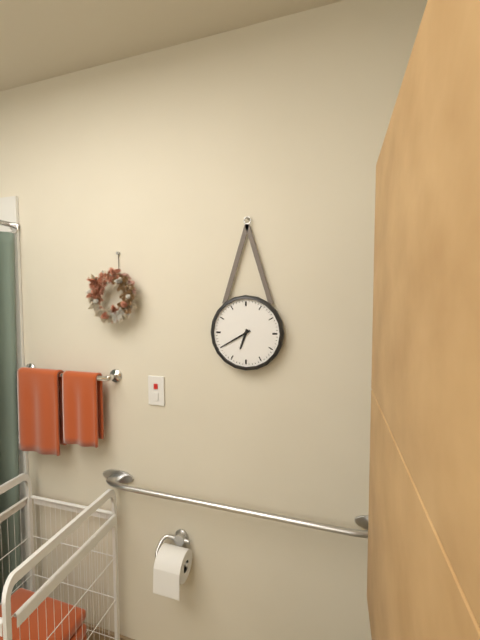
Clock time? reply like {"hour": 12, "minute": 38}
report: {"hour": 6, "minute": 40}
